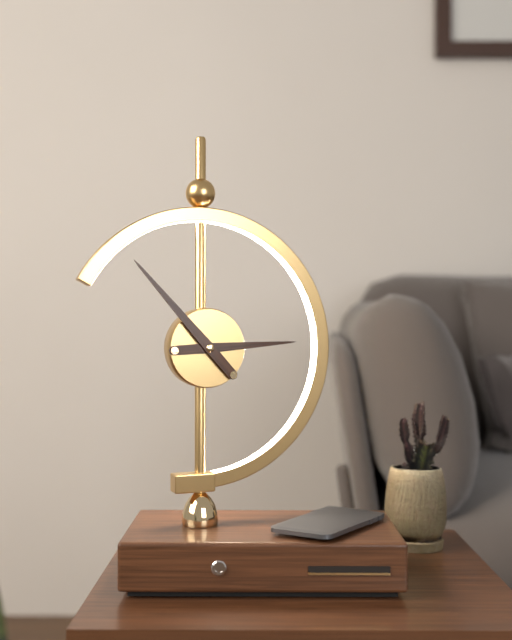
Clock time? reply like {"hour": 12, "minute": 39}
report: {"hour": 2, "minute": 53}
